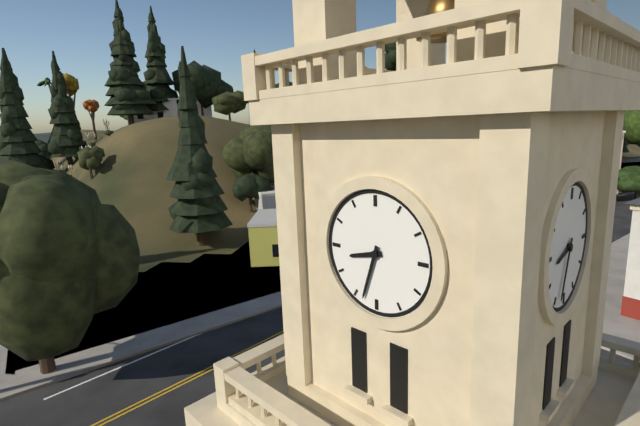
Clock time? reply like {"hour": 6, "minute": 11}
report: {"hour": 8, "minute": 33}
